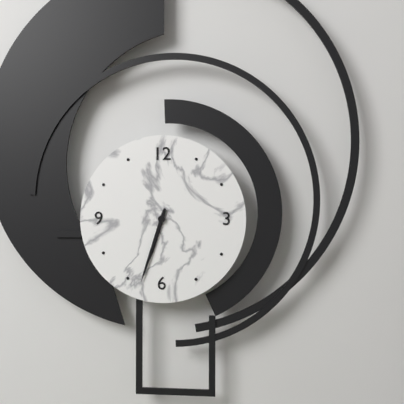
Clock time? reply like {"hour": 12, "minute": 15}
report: {"hour": 6, "minute": 33}
